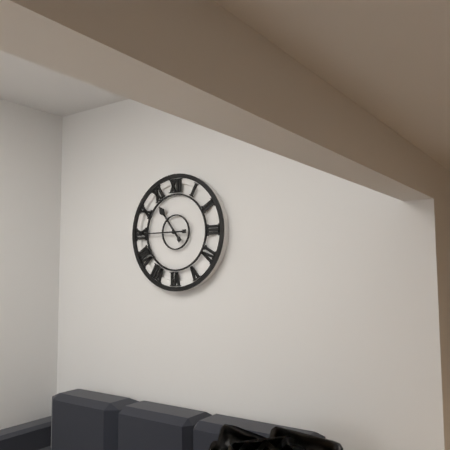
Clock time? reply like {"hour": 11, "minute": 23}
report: {"hour": 10, "minute": 45}
